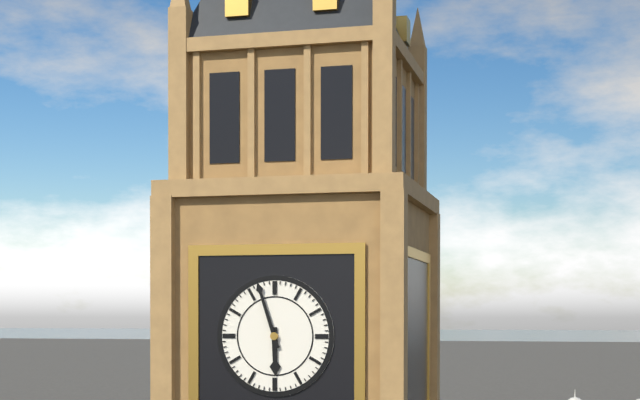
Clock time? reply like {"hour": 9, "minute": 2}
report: {"hour": 5, "minute": 57}
